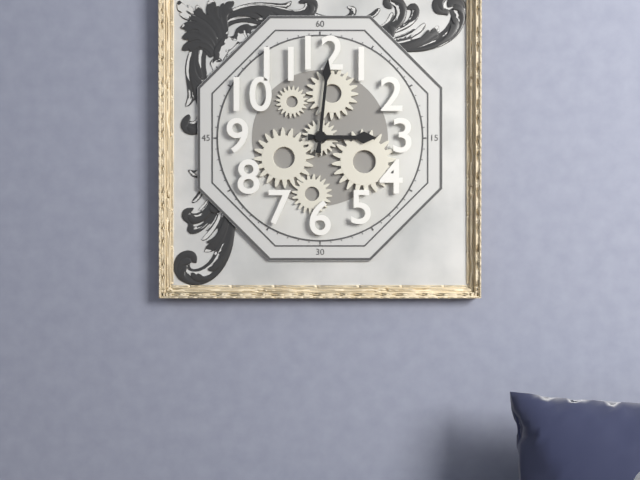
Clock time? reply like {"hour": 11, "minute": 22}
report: {"hour": 3, "minute": 1}
